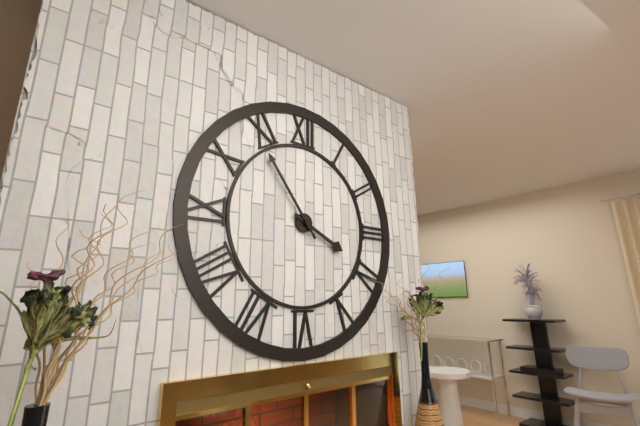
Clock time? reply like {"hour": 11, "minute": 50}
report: {"hour": 3, "minute": 54}
